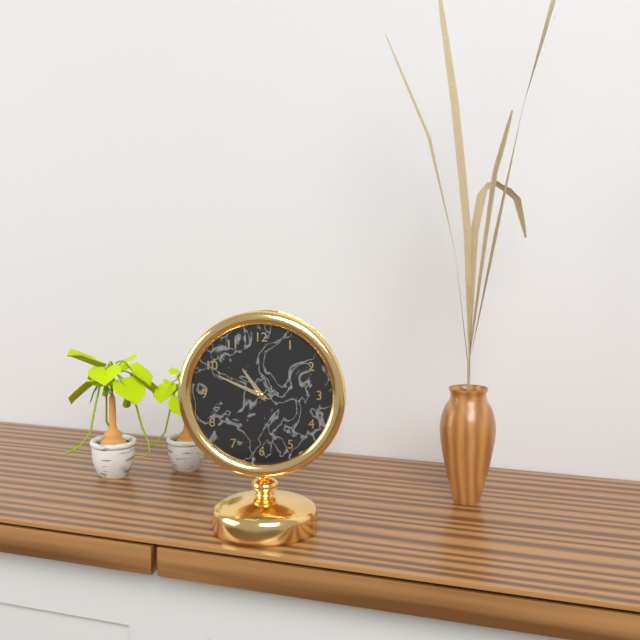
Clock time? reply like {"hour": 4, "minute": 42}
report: {"hour": 10, "minute": 49}
